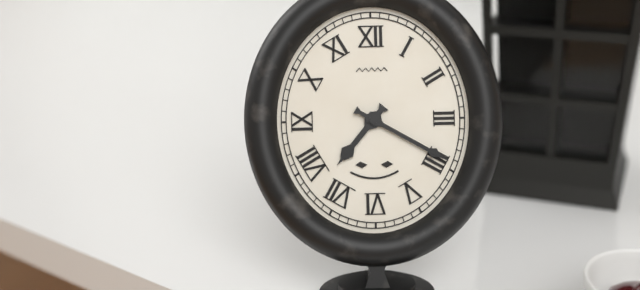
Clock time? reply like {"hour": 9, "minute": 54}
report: {"hour": 7, "minute": 20}
